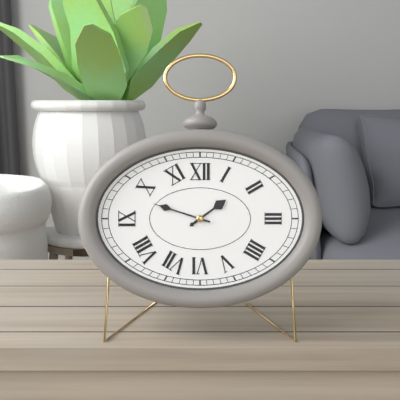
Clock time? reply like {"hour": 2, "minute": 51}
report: {"hour": 1, "minute": 48}
